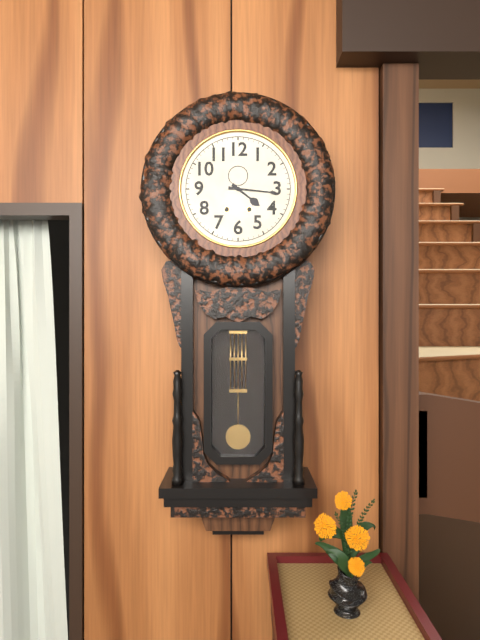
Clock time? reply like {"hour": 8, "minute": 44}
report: {"hour": 4, "minute": 16}
